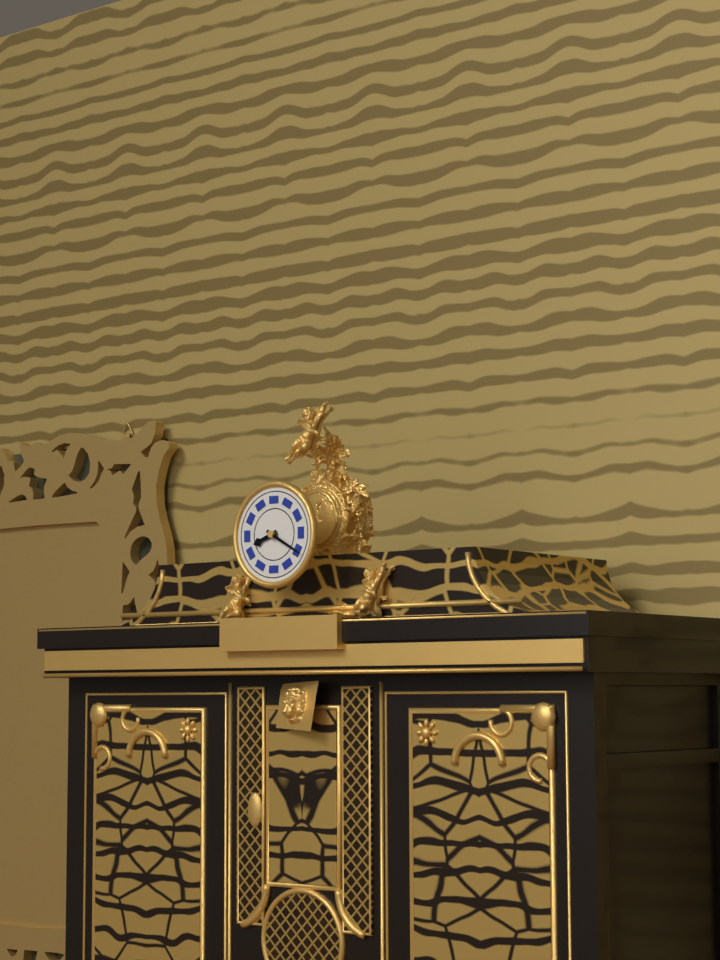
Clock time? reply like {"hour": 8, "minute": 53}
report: {"hour": 8, "minute": 20}
